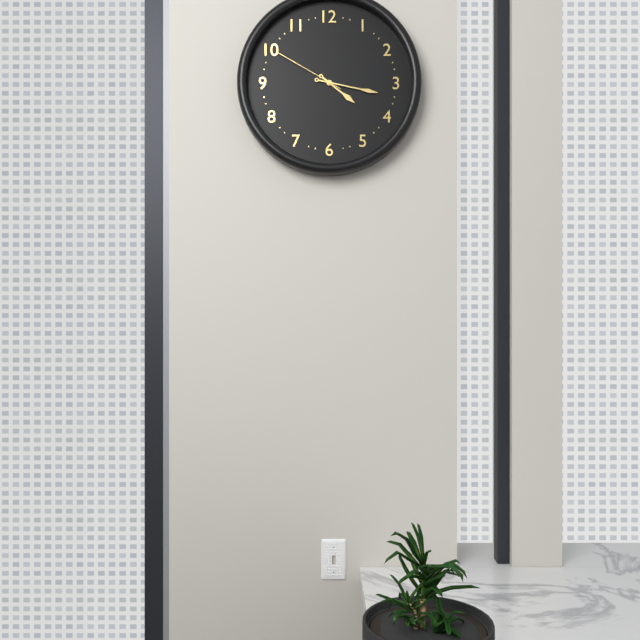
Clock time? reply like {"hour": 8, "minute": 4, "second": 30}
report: {"hour": 4, "minute": 17, "second": 50}
